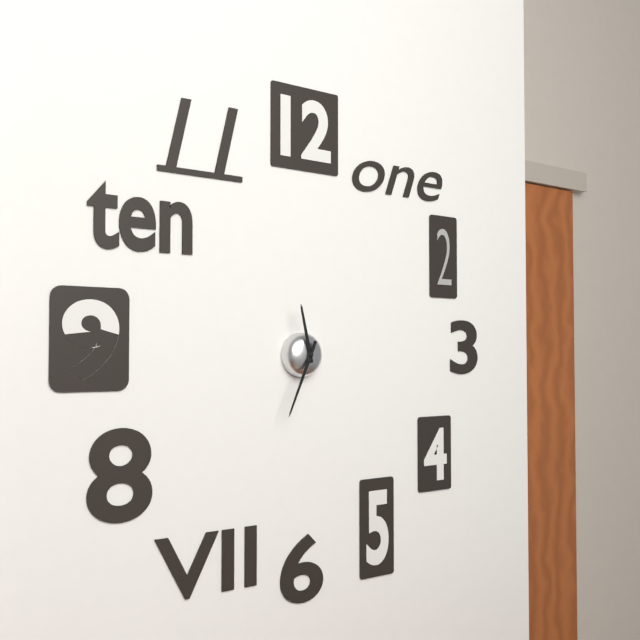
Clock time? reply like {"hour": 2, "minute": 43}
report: {"hour": 11, "minute": 34}
